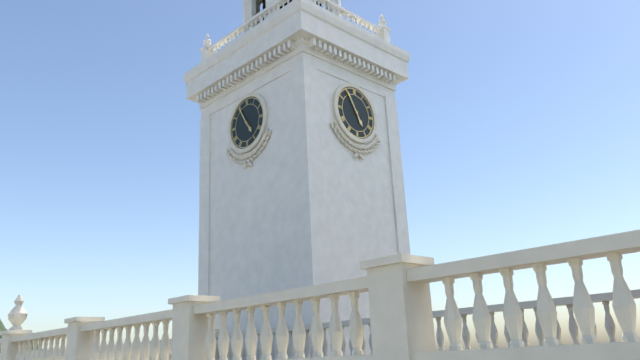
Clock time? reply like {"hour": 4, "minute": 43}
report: {"hour": 4, "minute": 55}
